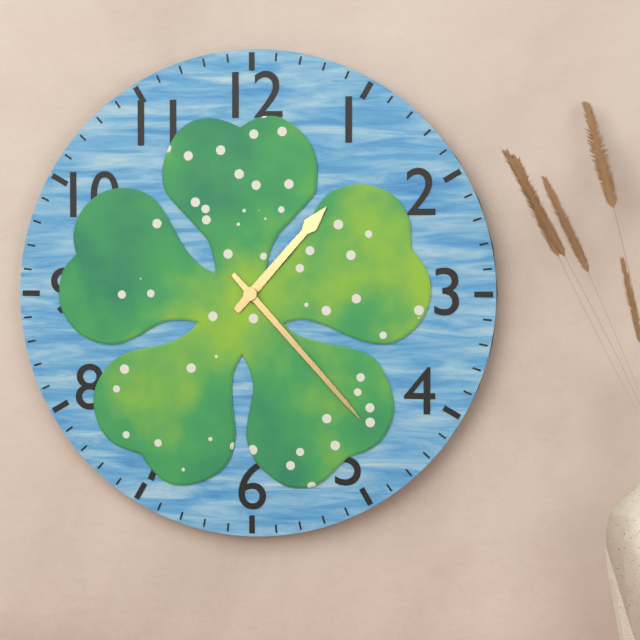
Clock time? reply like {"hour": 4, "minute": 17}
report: {"hour": 1, "minute": 23}
